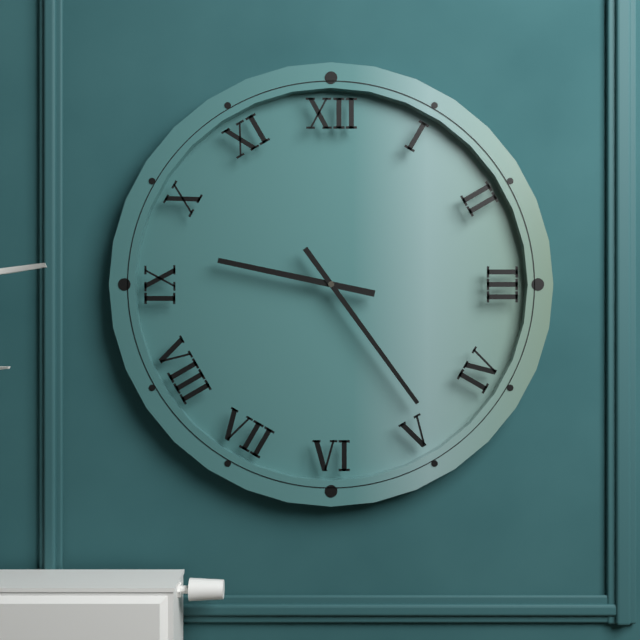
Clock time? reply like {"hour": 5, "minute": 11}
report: {"hour": 9, "minute": 24}
